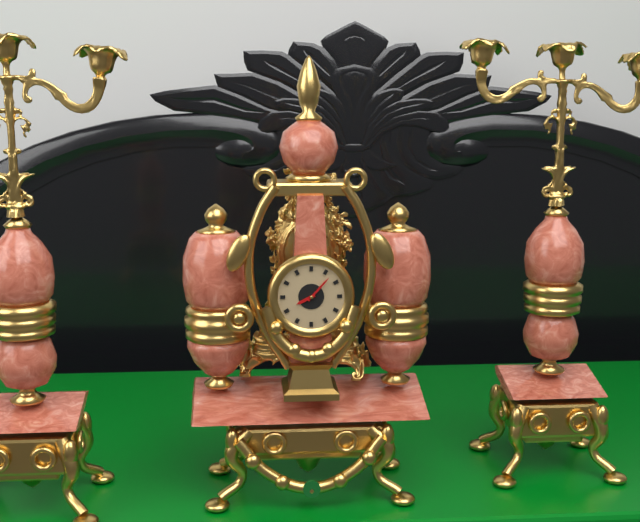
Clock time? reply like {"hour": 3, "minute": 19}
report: {"hour": 8, "minute": 7}
